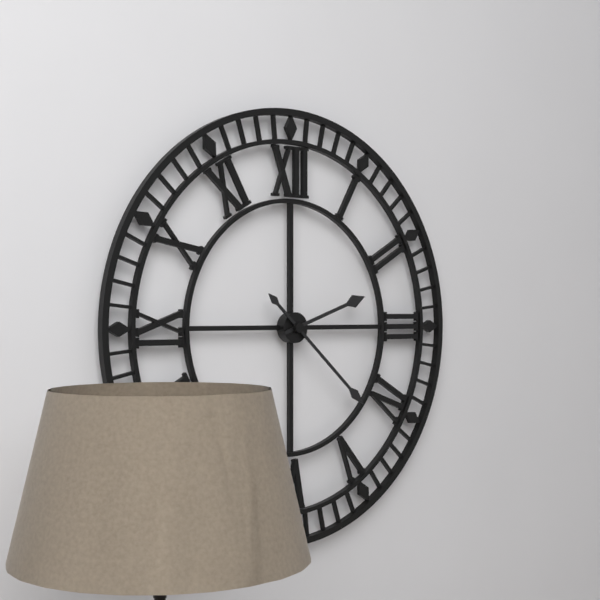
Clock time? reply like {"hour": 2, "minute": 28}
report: {"hour": 2, "minute": 22}
